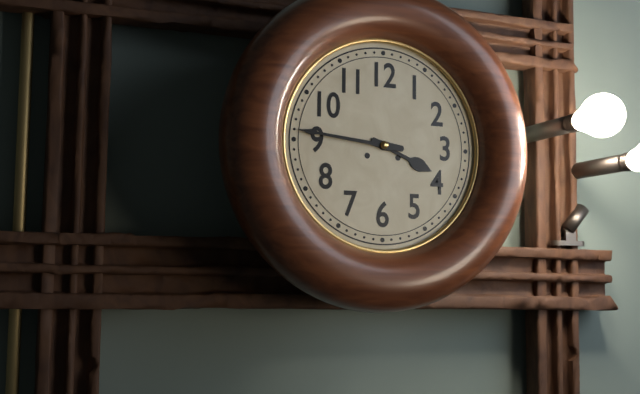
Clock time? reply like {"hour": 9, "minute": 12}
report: {"hour": 3, "minute": 46}
